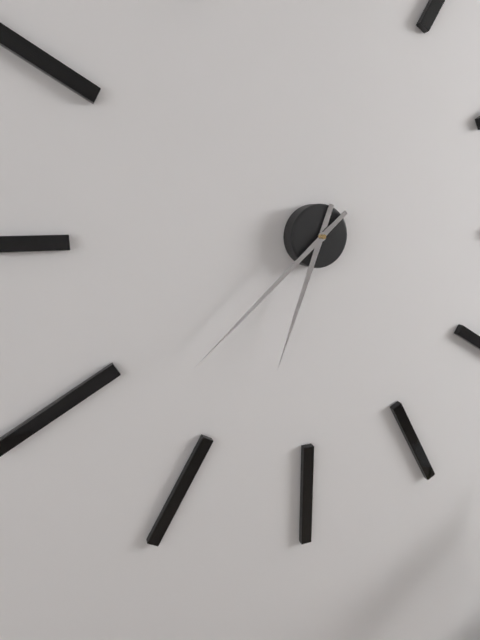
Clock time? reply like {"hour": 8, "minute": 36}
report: {"hour": 6, "minute": 38}
